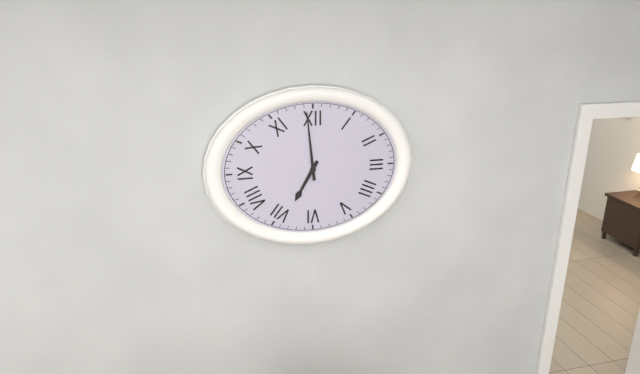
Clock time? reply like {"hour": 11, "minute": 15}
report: {"hour": 6, "minute": 59}
